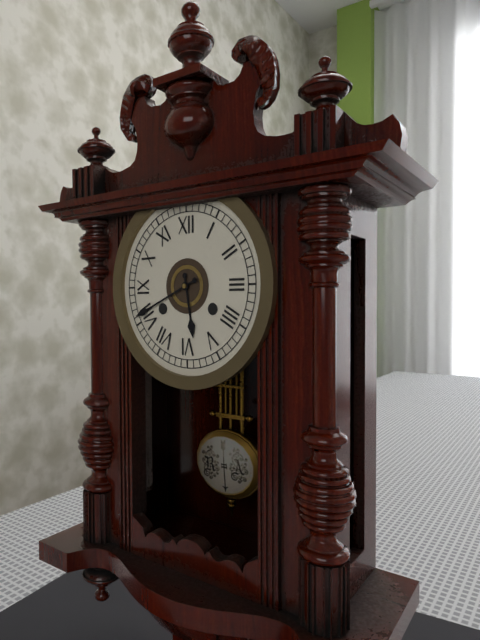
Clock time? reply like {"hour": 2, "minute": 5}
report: {"hour": 5, "minute": 41}
